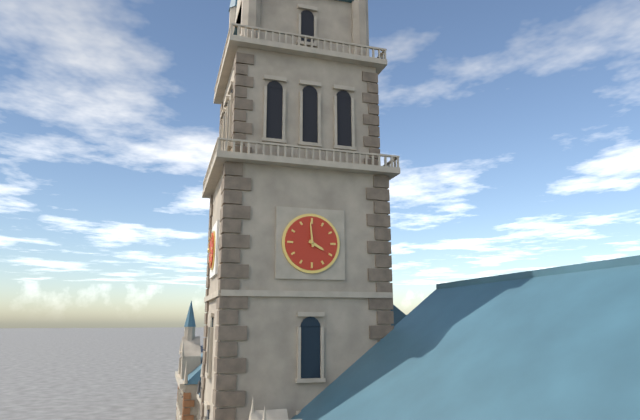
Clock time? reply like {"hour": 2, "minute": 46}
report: {"hour": 3, "minute": 59}
